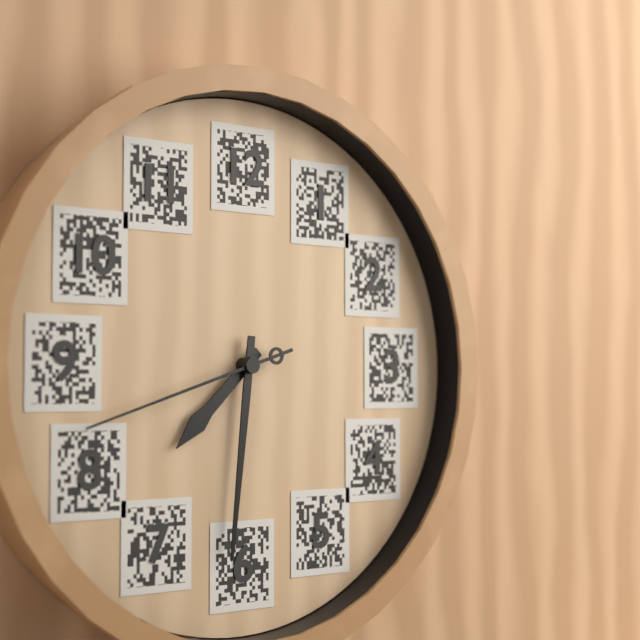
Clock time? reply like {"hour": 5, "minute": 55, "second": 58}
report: {"hour": 7, "minute": 31, "second": 42}
